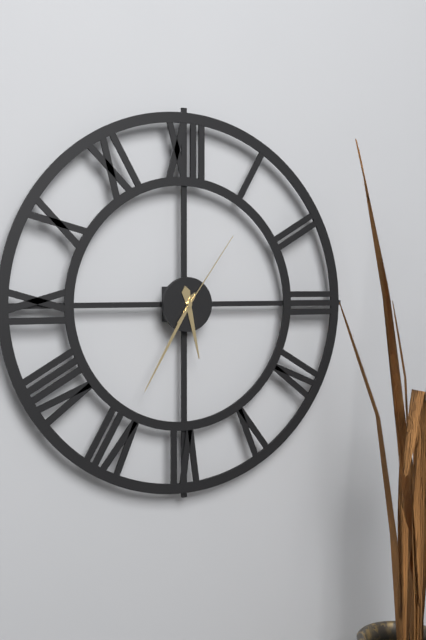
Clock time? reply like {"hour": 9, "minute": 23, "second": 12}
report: {"hour": 5, "minute": 35, "second": 6}
